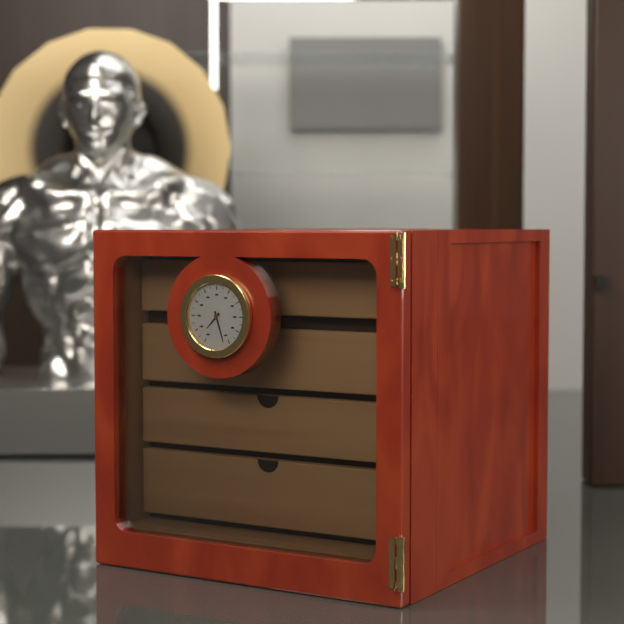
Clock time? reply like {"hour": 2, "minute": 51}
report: {"hour": 7, "minute": 27}
